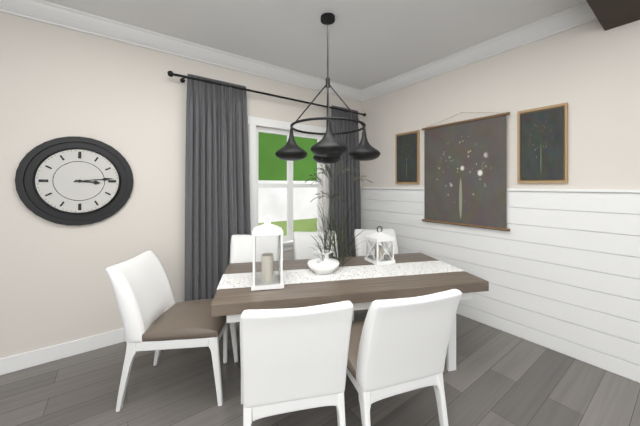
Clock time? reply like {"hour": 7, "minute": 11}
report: {"hour": 3, "minute": 14}
